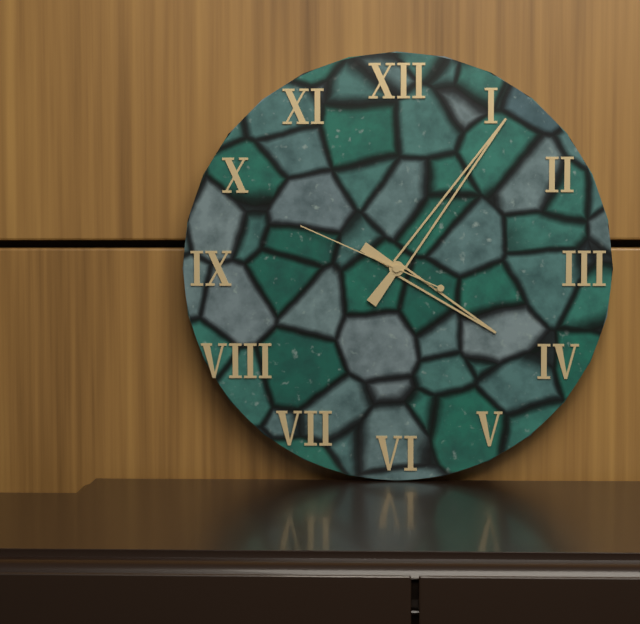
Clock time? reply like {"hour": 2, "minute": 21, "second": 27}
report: {"hour": 4, "minute": 6, "second": 49}
